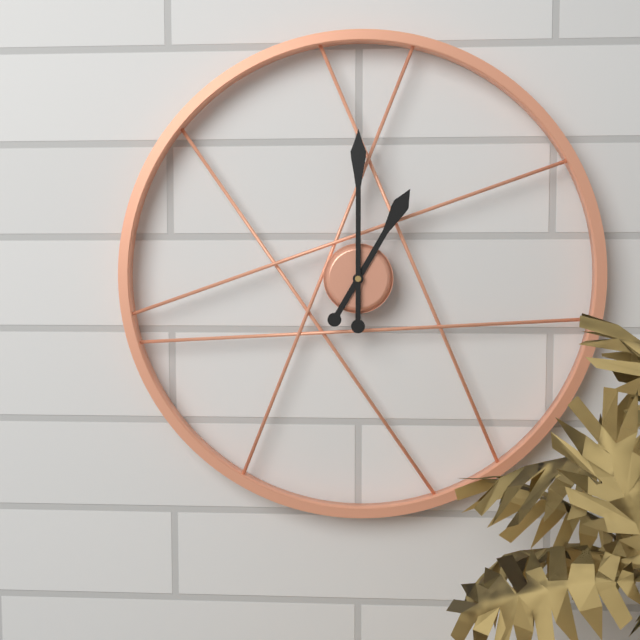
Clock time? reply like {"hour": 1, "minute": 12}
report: {"hour": 1, "minute": 0}
